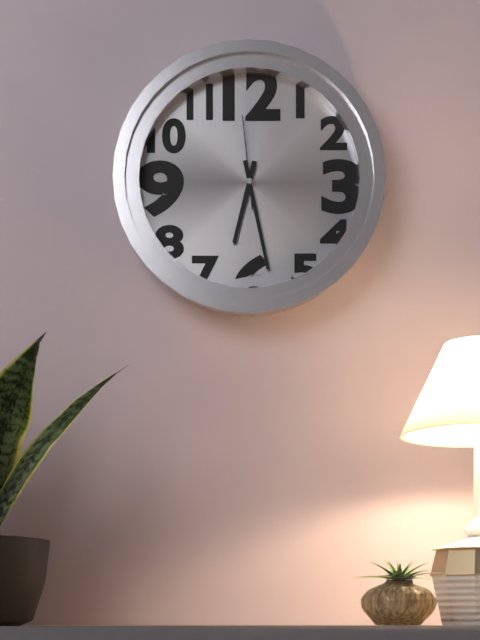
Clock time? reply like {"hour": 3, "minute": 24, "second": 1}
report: {"hour": 6, "minute": 28, "second": 59}
